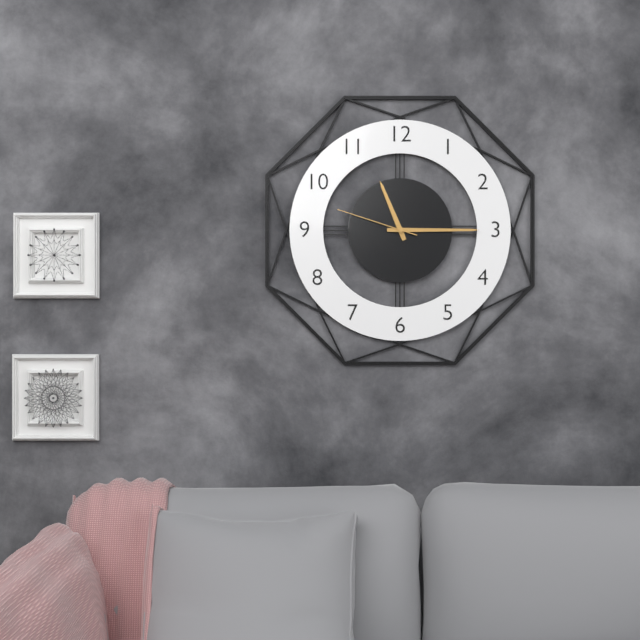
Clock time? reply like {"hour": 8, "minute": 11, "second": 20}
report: {"hour": 11, "minute": 15, "second": 48}
